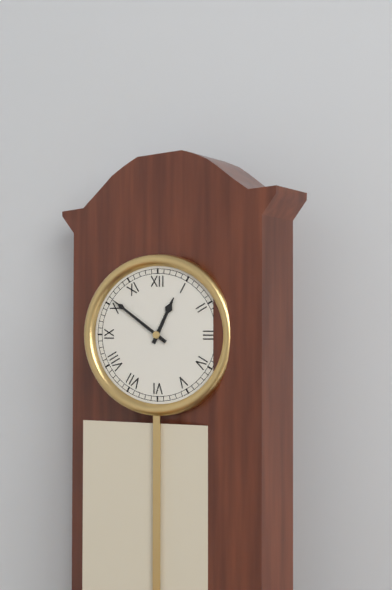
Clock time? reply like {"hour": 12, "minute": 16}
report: {"hour": 12, "minute": 51}
